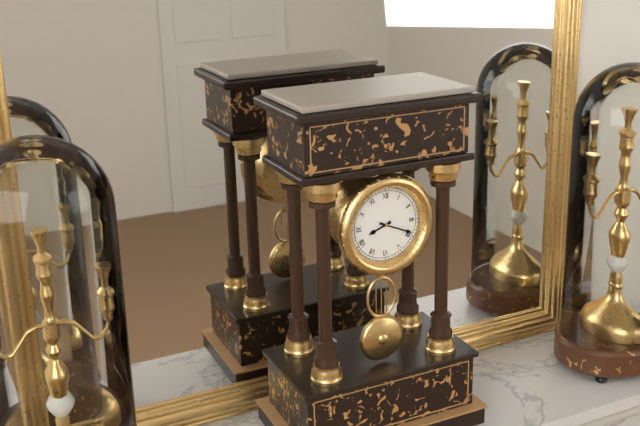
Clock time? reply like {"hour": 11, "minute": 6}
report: {"hour": 8, "minute": 19}
